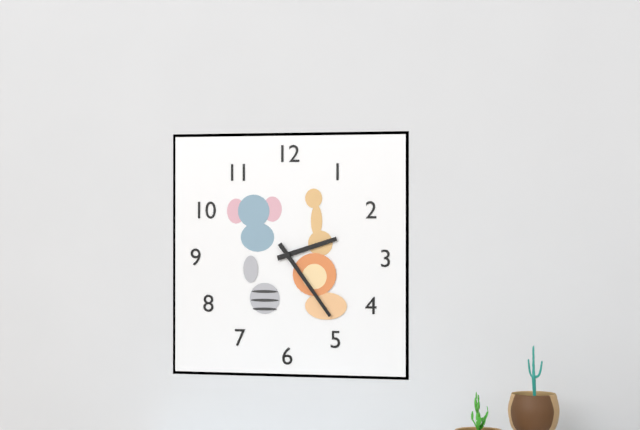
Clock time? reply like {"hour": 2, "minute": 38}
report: {"hour": 2, "minute": 24}
